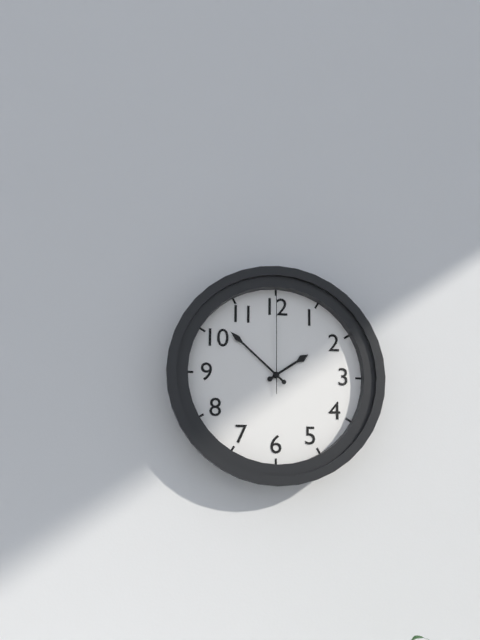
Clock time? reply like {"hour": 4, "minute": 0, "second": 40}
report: {"hour": 1, "minute": 52, "second": 0}
